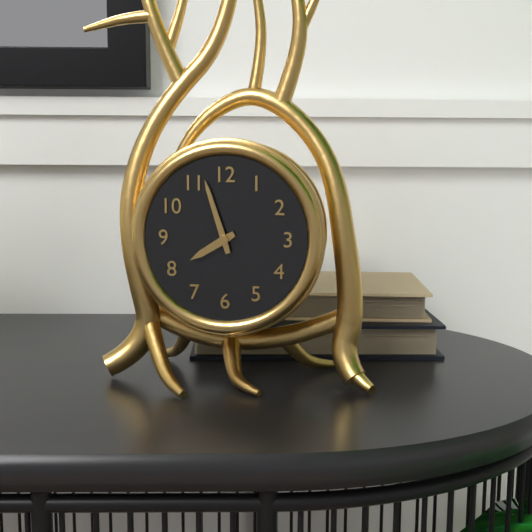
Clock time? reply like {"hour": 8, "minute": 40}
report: {"hour": 7, "minute": 57}
